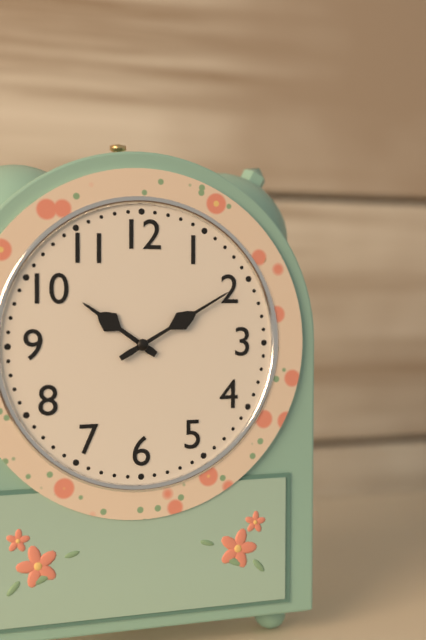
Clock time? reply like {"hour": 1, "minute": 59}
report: {"hour": 10, "minute": 10}
